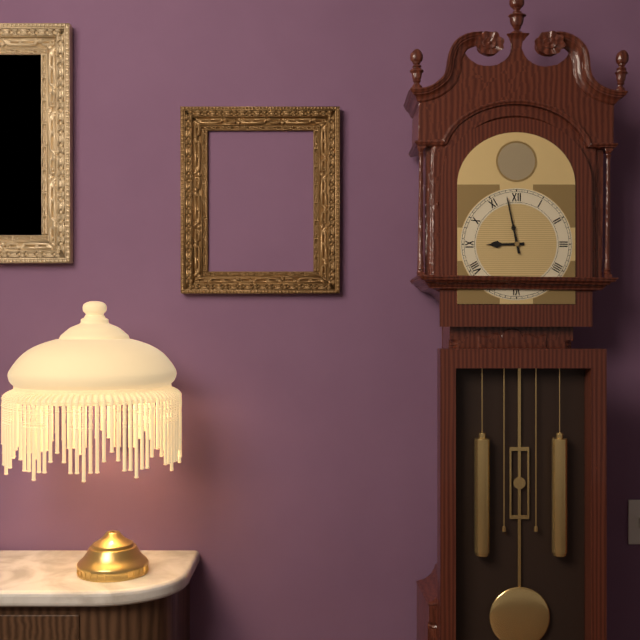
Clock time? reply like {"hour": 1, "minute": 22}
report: {"hour": 8, "minute": 58}
